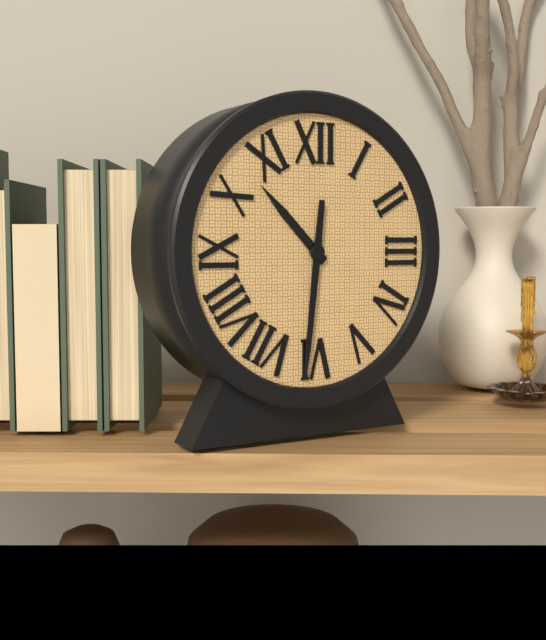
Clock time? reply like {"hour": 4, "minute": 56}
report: {"hour": 10, "minute": 31}
